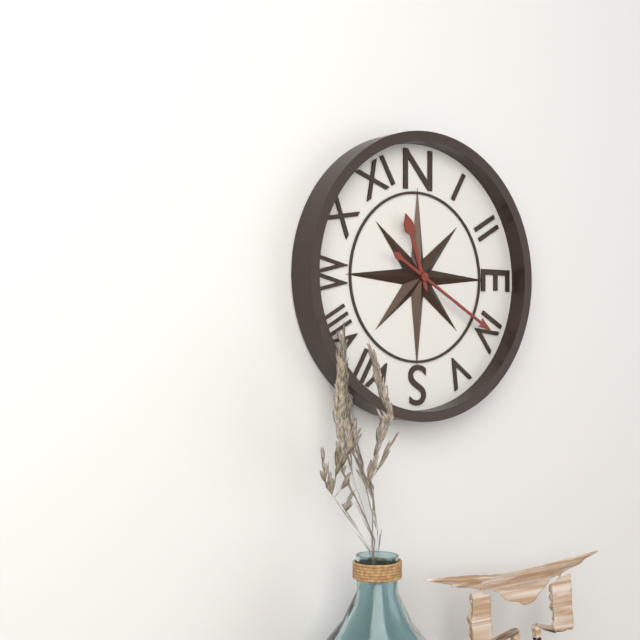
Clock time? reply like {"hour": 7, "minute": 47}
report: {"hour": 11, "minute": 20}
